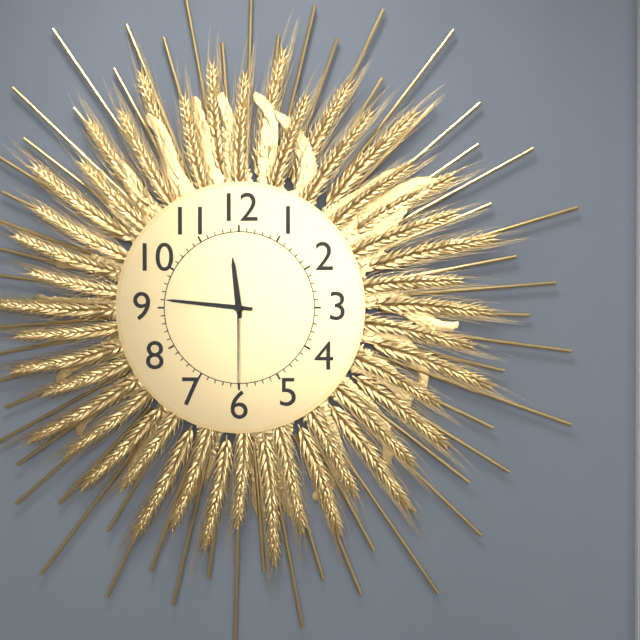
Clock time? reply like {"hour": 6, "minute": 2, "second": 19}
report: {"hour": 11, "minute": 46, "second": 30}
